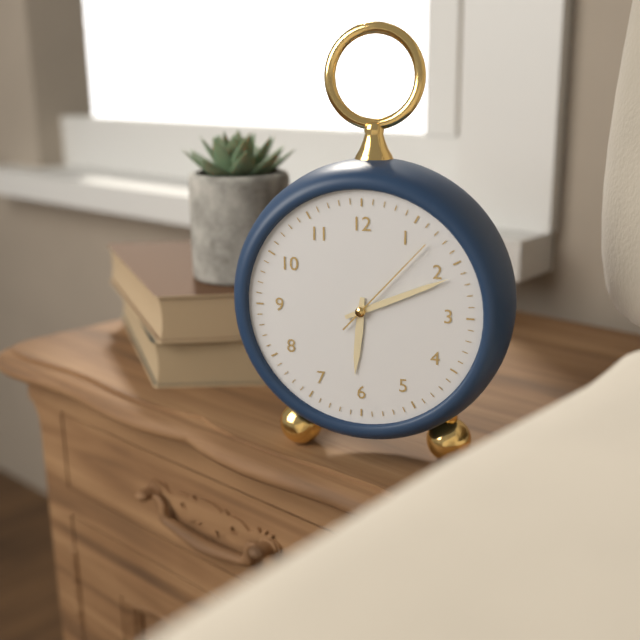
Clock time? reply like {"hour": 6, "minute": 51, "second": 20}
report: {"hour": 6, "minute": 11, "second": 7}
